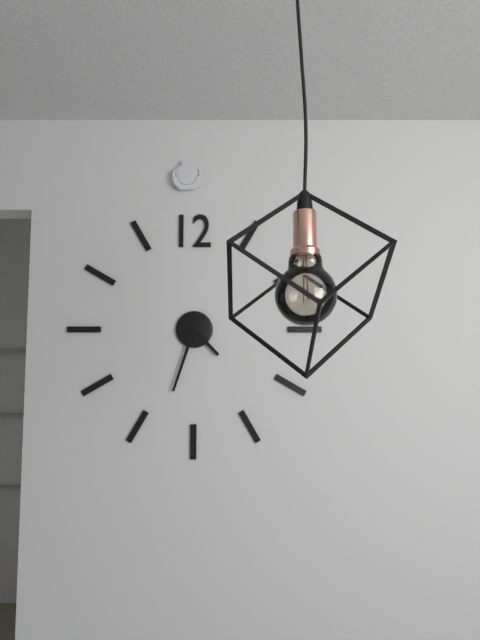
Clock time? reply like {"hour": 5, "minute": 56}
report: {"hour": 4, "minute": 33}
